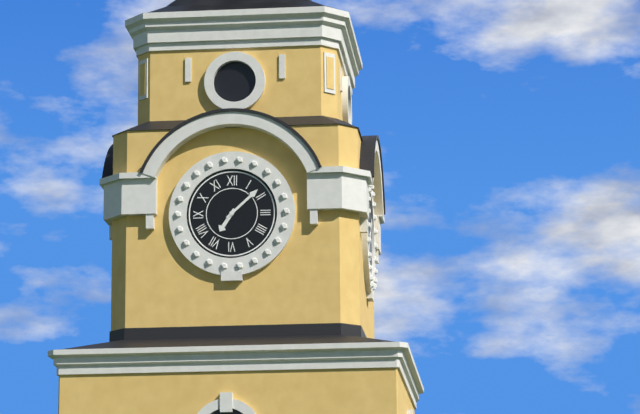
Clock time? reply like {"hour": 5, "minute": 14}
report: {"hour": 7, "minute": 8}
